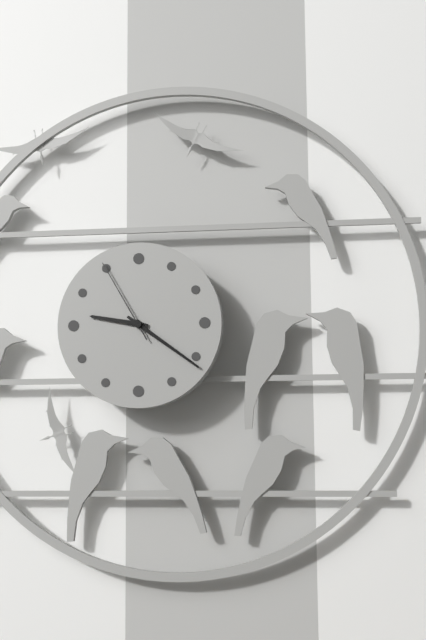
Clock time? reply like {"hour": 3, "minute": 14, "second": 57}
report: {"hour": 9, "minute": 21, "second": 55}
